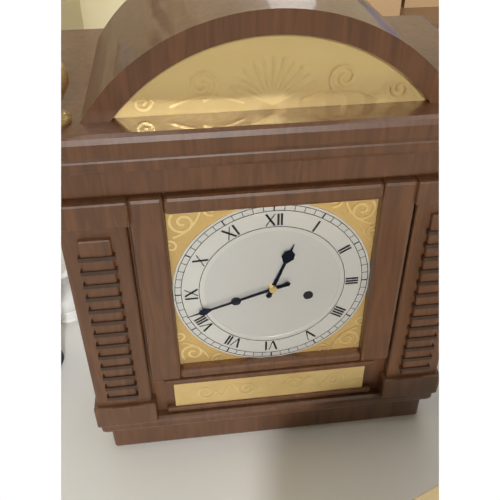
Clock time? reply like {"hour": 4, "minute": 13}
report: {"hour": 12, "minute": 42}
